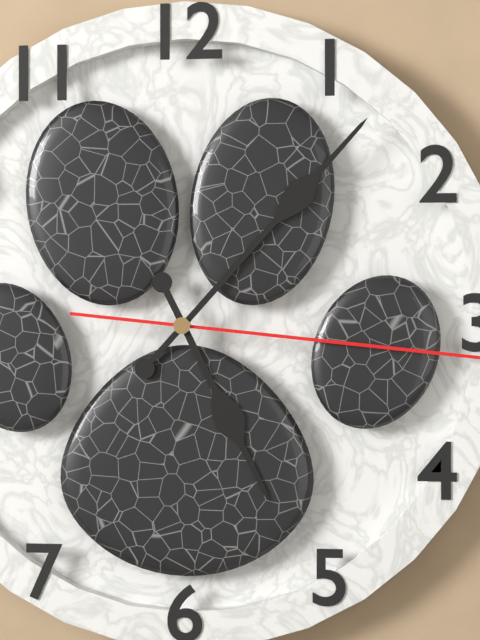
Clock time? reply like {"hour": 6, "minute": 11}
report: {"hour": 5, "minute": 7}
